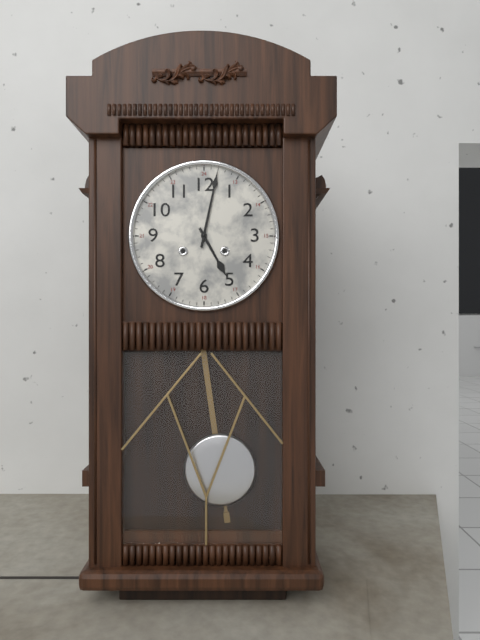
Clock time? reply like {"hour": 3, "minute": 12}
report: {"hour": 5, "minute": 2}
